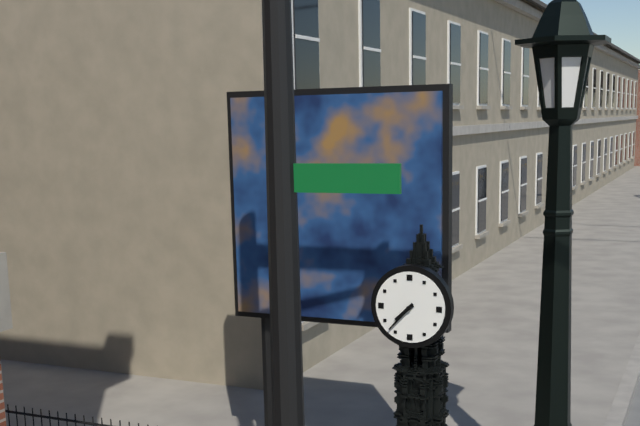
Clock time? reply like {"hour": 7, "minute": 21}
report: {"hour": 7, "minute": 37}
